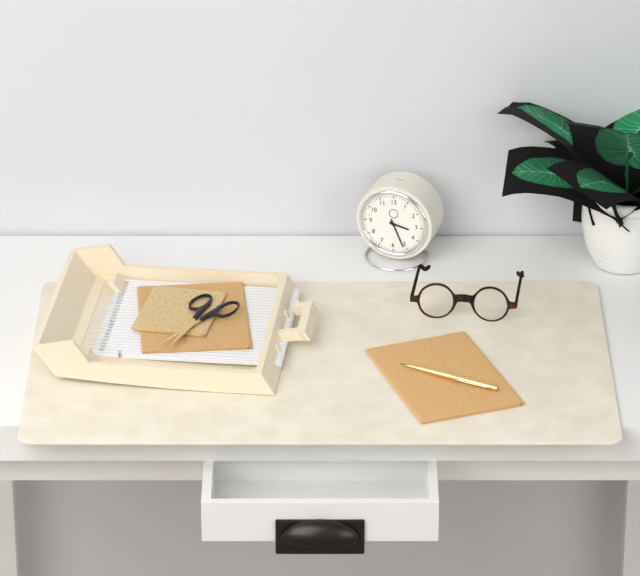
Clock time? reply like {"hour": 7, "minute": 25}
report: {"hour": 3, "minute": 26}
